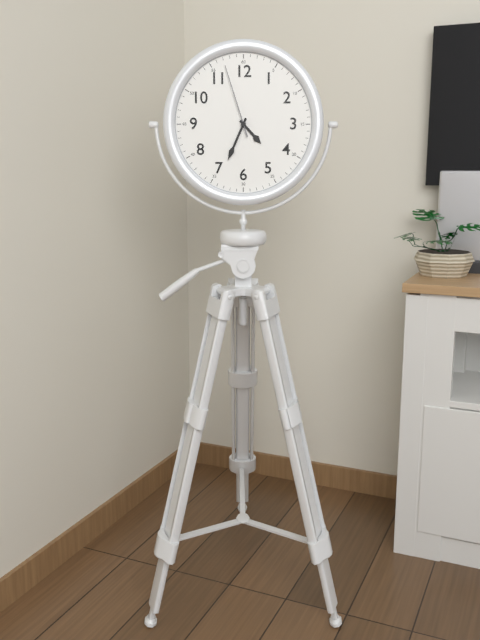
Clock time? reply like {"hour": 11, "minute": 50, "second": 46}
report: {"hour": 4, "minute": 34, "second": 57}
